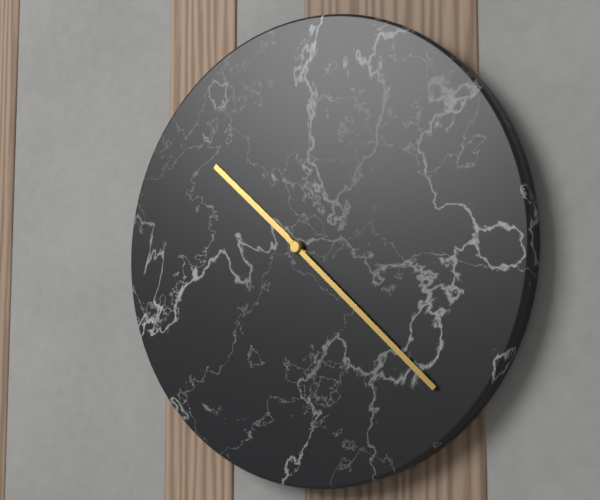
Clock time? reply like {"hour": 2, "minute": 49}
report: {"hour": 10, "minute": 22}
